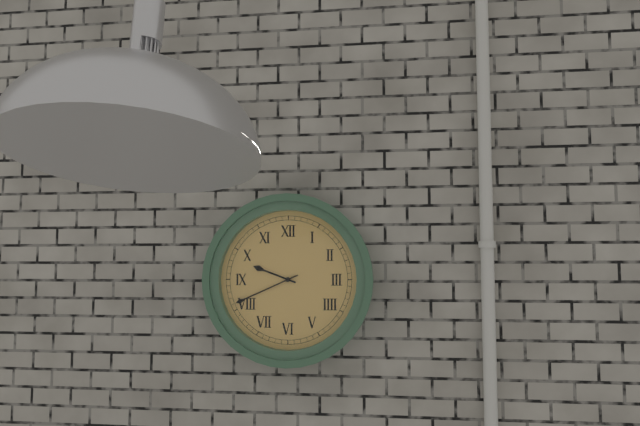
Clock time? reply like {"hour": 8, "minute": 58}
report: {"hour": 9, "minute": 41}
